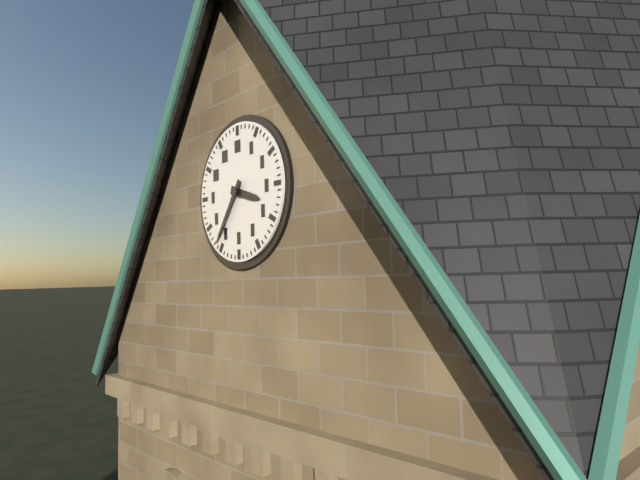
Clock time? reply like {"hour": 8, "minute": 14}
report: {"hour": 3, "minute": 36}
